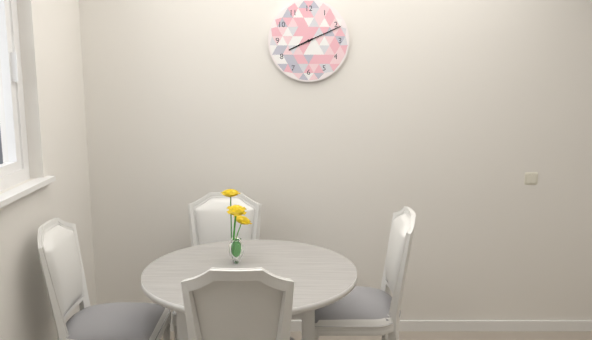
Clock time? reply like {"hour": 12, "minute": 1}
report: {"hour": 8, "minute": 11}
